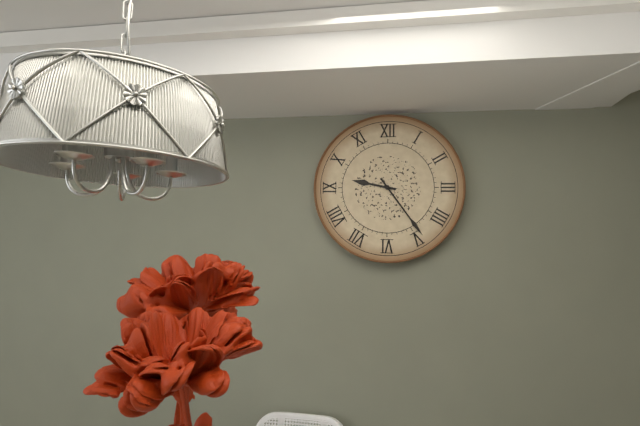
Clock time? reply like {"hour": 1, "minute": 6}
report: {"hour": 9, "minute": 24}
